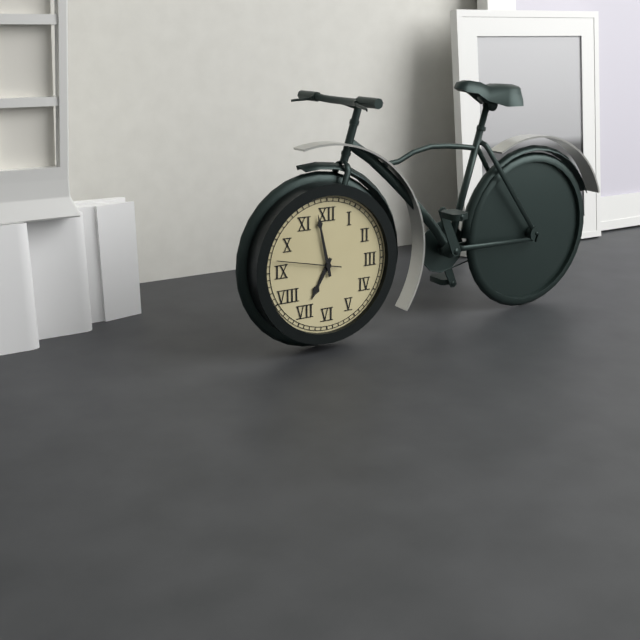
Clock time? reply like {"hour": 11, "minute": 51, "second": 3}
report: {"hour": 6, "minute": 58, "second": 47}
